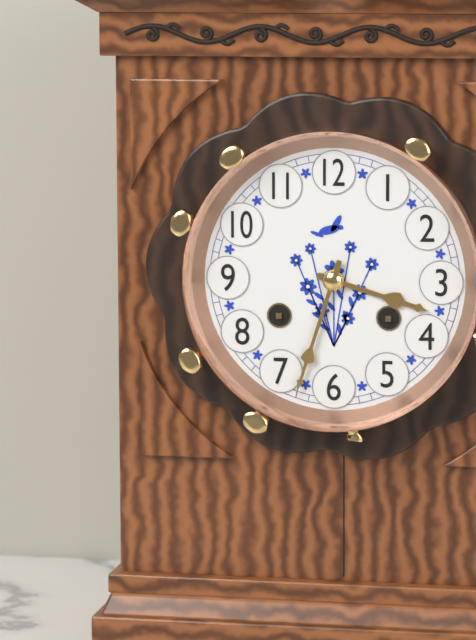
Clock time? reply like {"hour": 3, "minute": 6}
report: {"hour": 3, "minute": 33}
